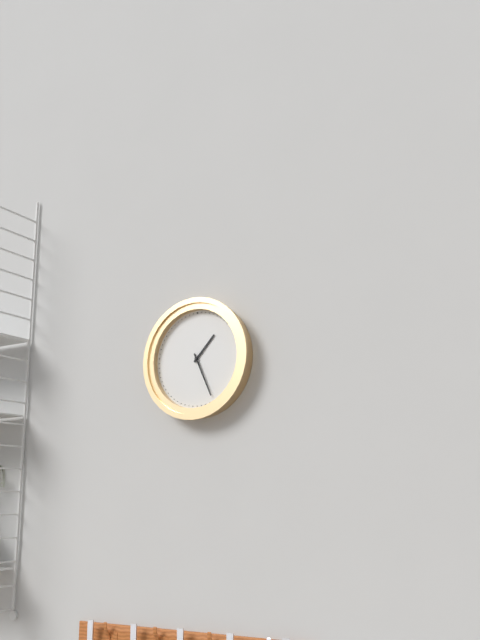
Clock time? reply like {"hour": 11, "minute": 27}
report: {"hour": 1, "minute": 26}
